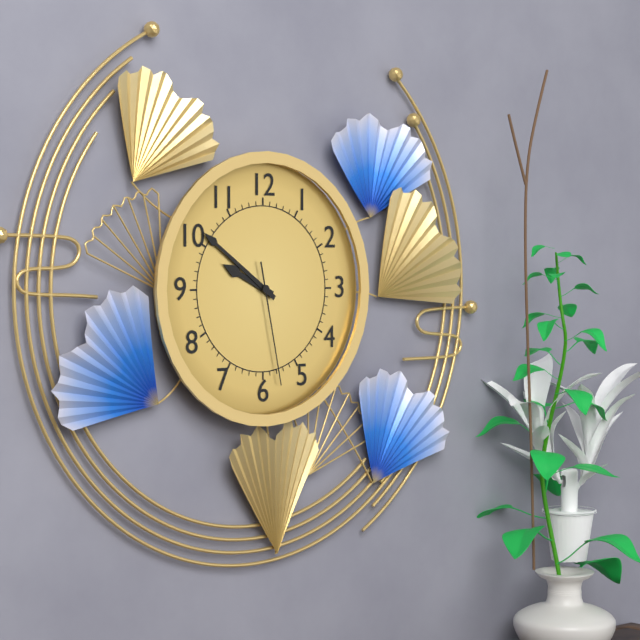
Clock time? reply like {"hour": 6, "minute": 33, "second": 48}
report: {"hour": 9, "minute": 51, "second": 28}
